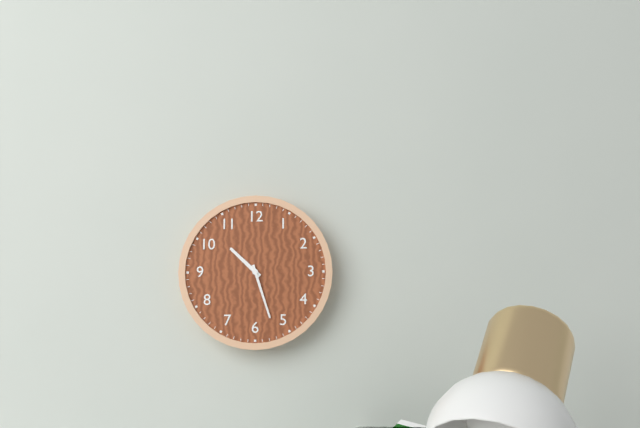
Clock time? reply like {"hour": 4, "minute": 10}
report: {"hour": 10, "minute": 27}
